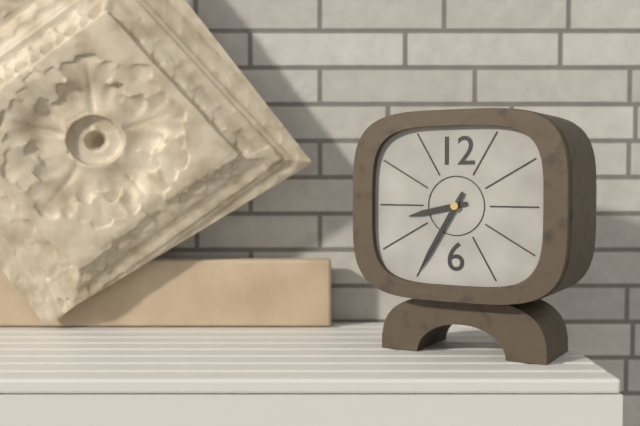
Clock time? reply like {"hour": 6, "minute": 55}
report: {"hour": 8, "minute": 35}
